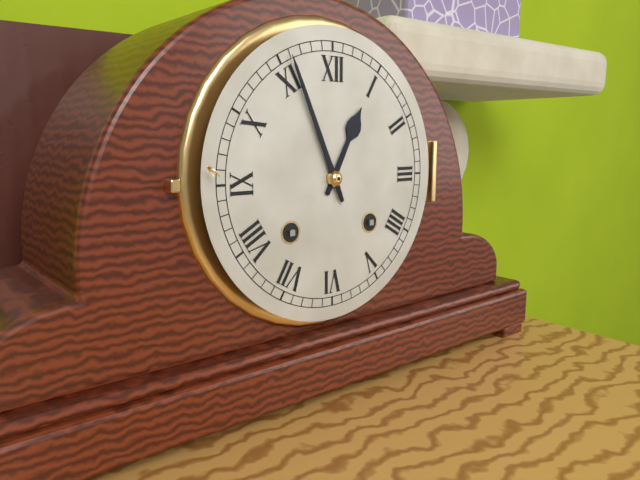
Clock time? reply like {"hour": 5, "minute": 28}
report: {"hour": 12, "minute": 56}
